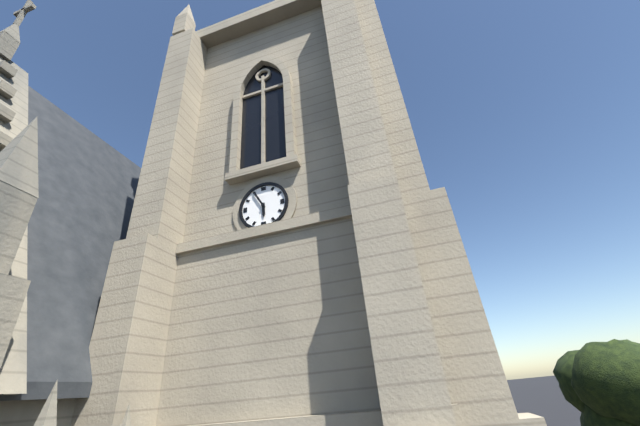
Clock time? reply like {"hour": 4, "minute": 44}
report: {"hour": 5, "minute": 55}
